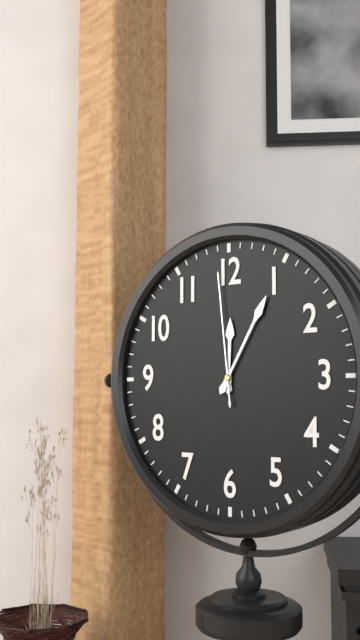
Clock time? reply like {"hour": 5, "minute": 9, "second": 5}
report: {"hour": 12, "minute": 5, "second": 59}
